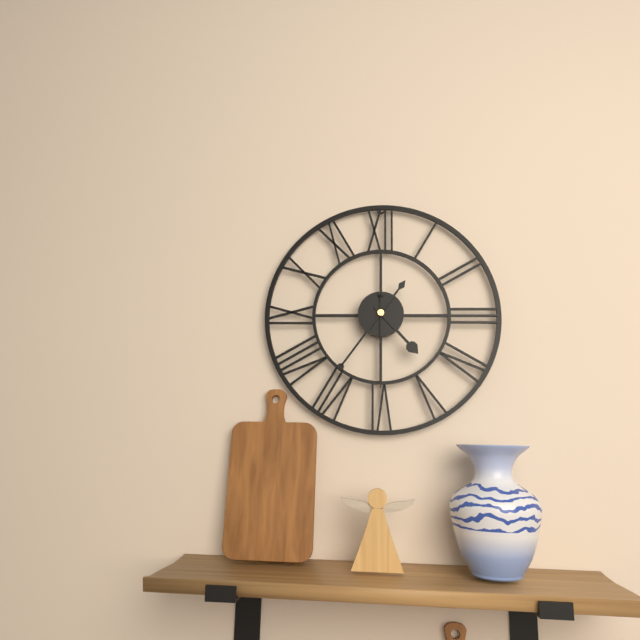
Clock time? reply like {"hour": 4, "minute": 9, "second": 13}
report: {"hour": 4, "minute": 36, "second": 30}
